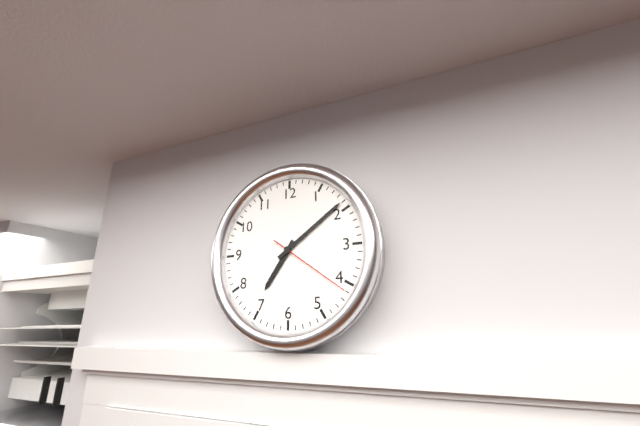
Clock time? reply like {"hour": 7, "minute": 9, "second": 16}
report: {"hour": 7, "minute": 9, "second": 21}
